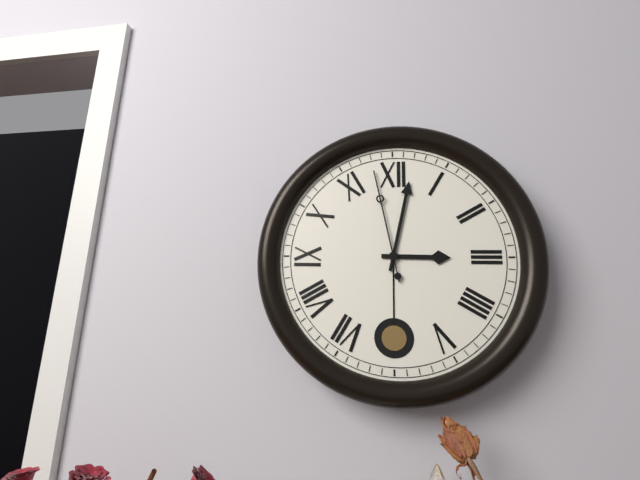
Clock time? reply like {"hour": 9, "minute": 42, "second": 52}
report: {"hour": 3, "minute": 2, "second": 58}
